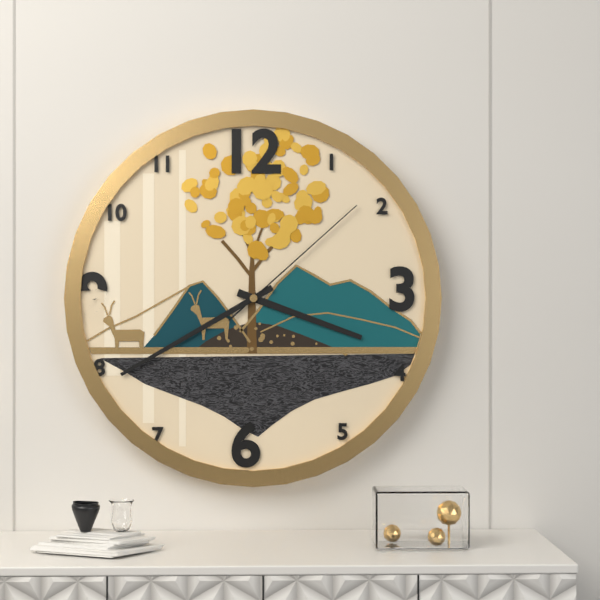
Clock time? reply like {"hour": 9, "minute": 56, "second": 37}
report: {"hour": 3, "minute": 40, "second": 8}
